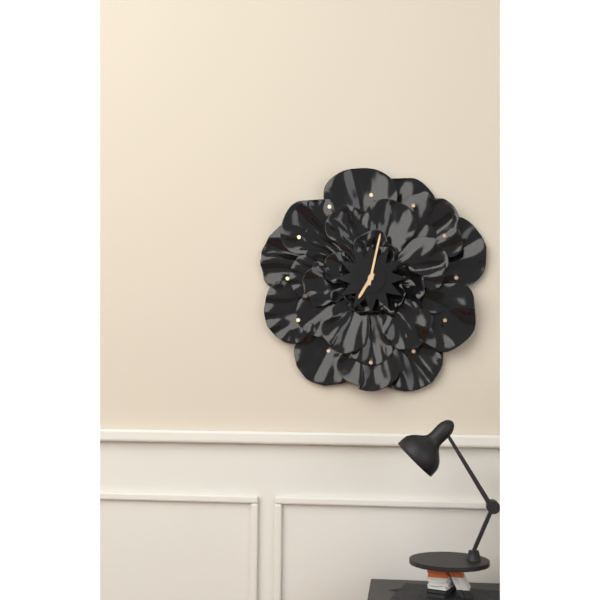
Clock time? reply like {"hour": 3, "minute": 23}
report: {"hour": 7, "minute": 2}
